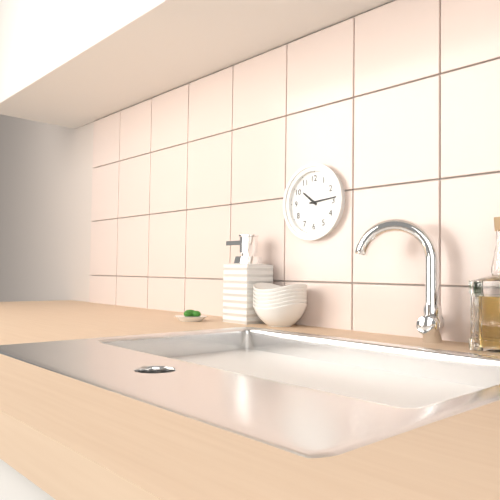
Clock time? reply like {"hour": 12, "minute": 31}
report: {"hour": 10, "minute": 14}
